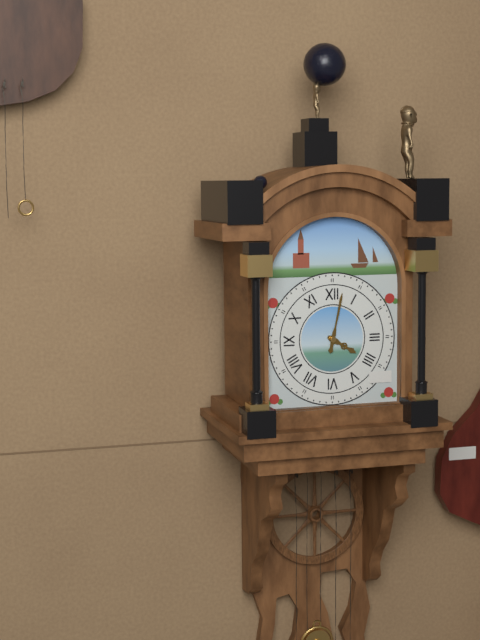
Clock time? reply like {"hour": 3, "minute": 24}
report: {"hour": 4, "minute": 2}
